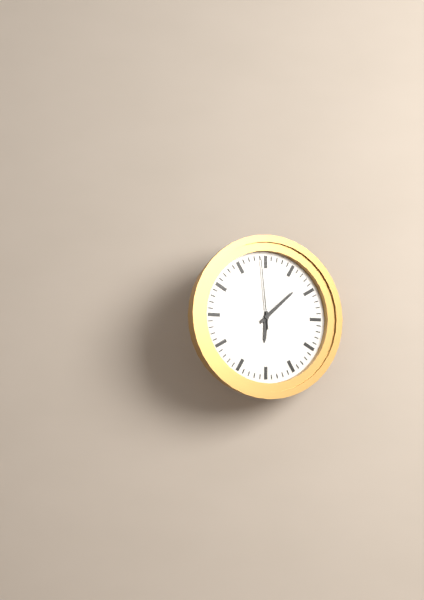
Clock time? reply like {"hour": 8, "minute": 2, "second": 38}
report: {"hour": 6, "minute": 8, "second": 59}
